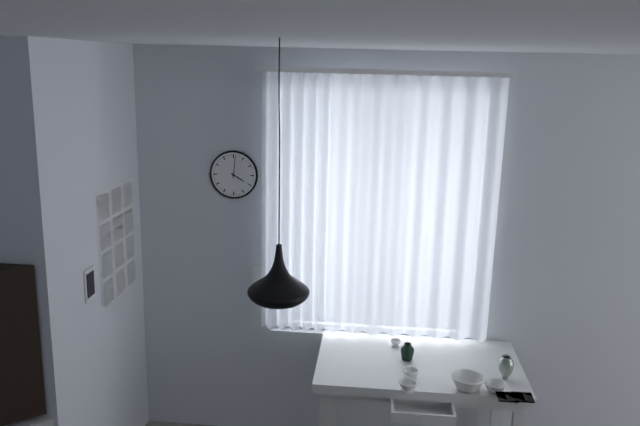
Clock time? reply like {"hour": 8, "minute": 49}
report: {"hour": 4, "minute": 1}
